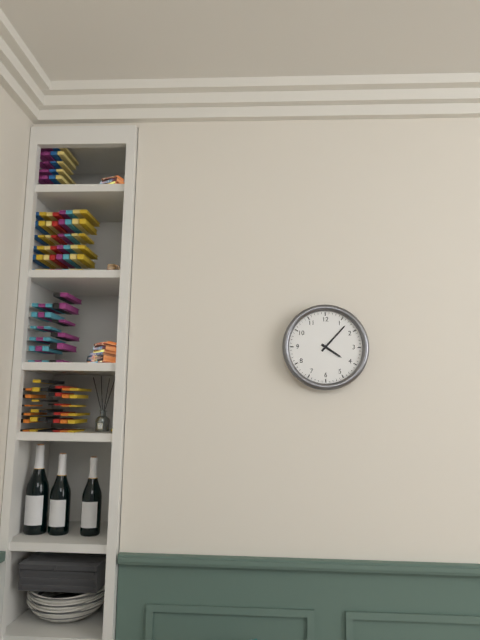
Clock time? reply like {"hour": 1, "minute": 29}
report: {"hour": 4, "minute": 7}
